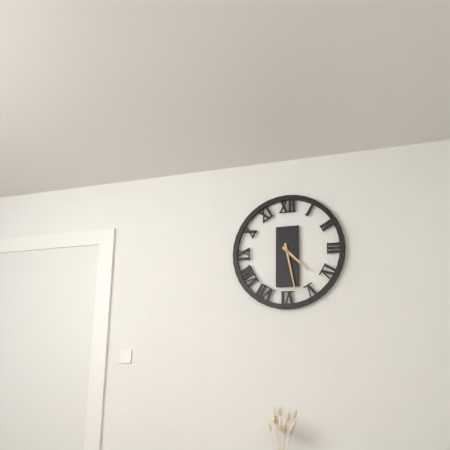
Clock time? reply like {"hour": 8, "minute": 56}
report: {"hour": 4, "minute": 28}
